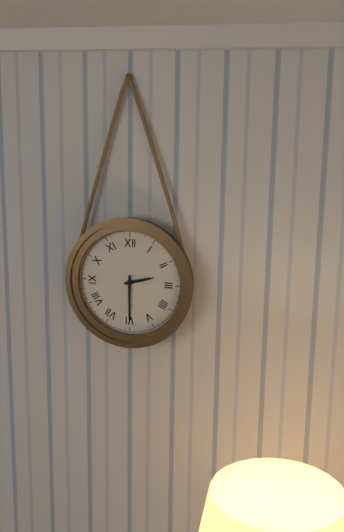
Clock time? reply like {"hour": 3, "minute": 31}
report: {"hour": 2, "minute": 30}
